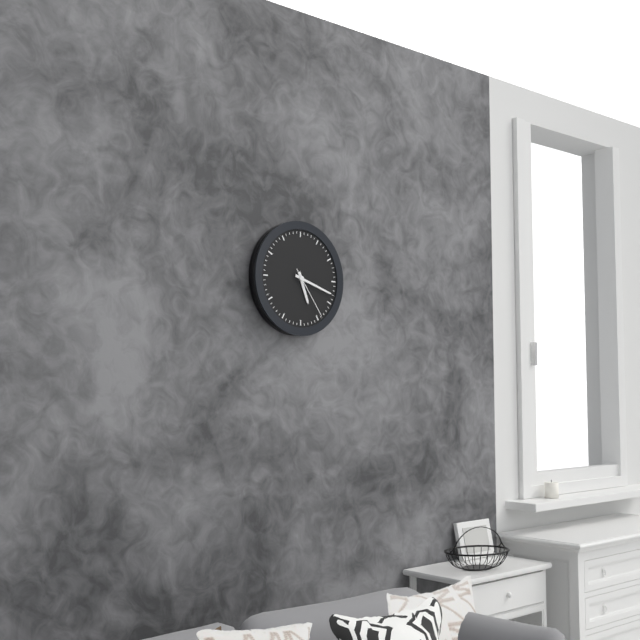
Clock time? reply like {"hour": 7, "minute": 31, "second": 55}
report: {"hour": 5, "minute": 18, "second": 24}
